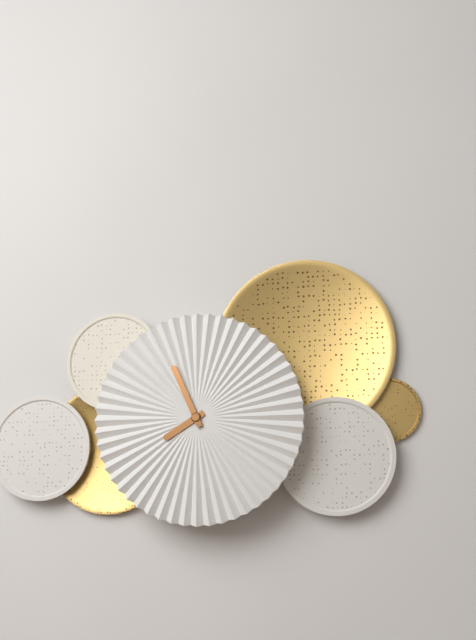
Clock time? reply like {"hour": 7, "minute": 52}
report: {"hour": 7, "minute": 56}
